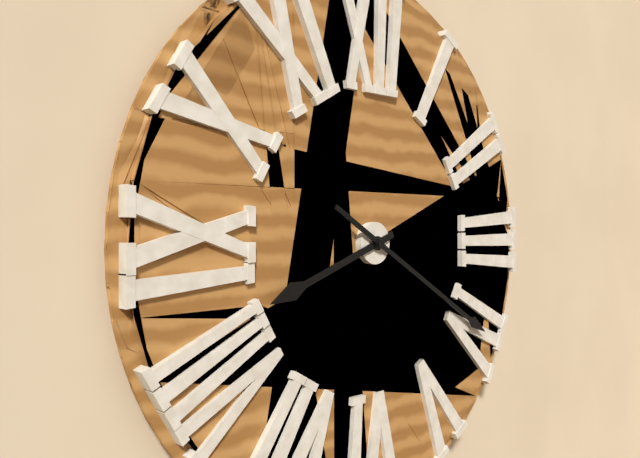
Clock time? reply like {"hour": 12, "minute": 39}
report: {"hour": 8, "minute": 20}
